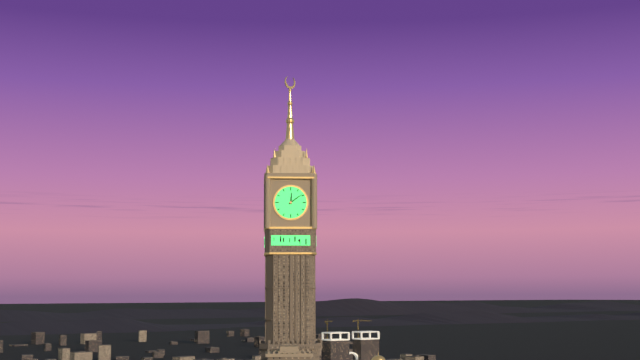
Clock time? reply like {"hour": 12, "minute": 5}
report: {"hour": 12, "minute": 9}
